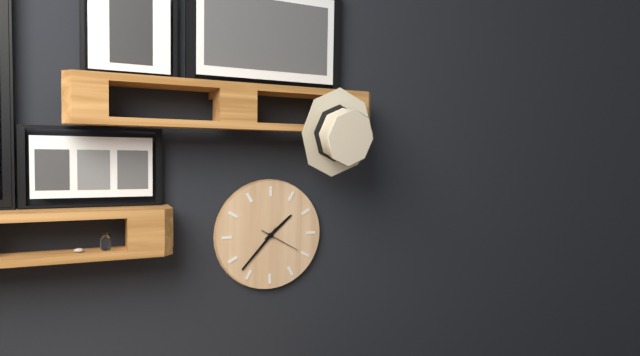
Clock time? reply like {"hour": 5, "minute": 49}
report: {"hour": 1, "minute": 37}
